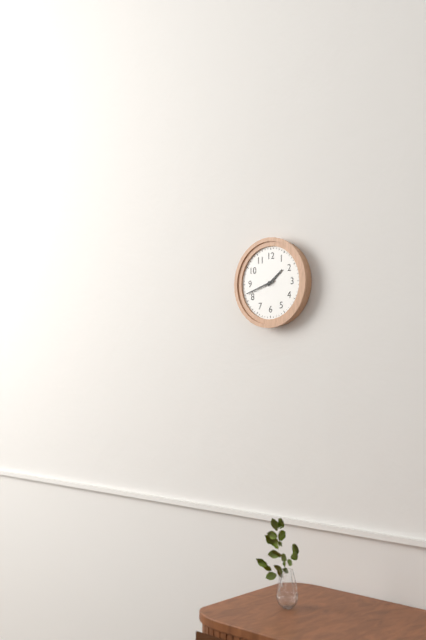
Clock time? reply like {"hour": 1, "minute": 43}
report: {"hour": 1, "minute": 42}
